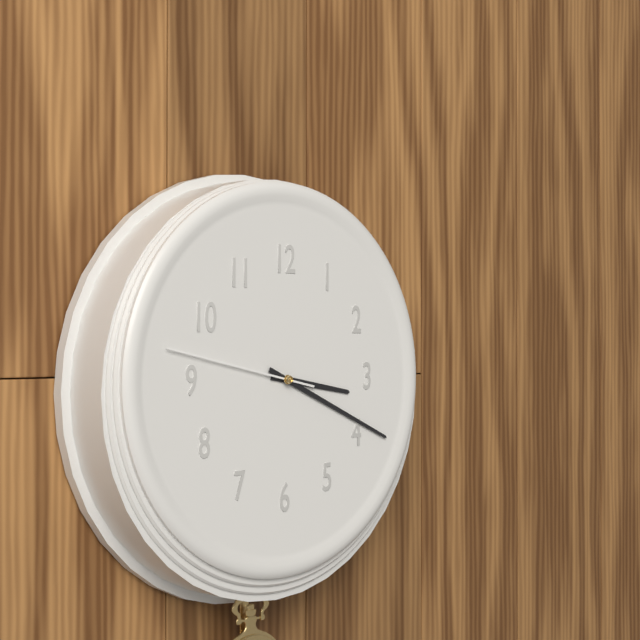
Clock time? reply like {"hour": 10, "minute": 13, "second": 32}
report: {"hour": 3, "minute": 19, "second": 47}
